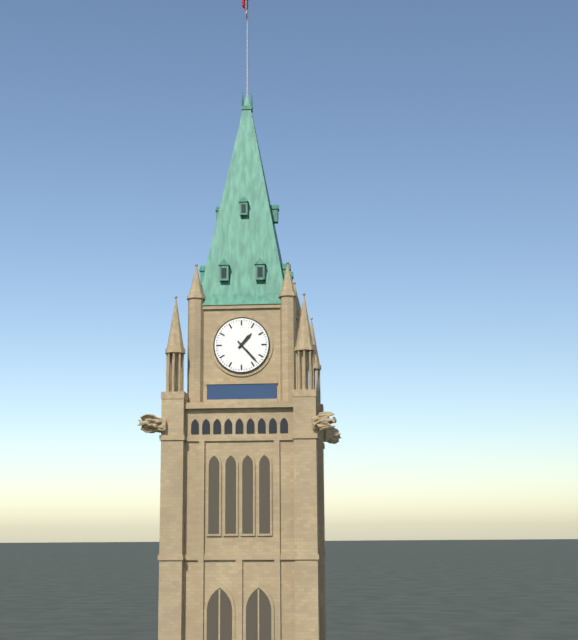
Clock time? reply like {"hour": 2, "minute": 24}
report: {"hour": 1, "minute": 23}
